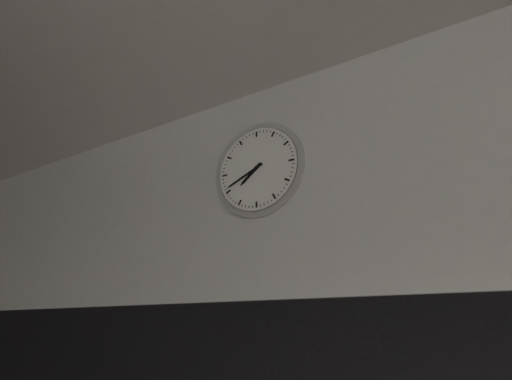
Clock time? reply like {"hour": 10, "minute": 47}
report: {"hour": 7, "minute": 41}
